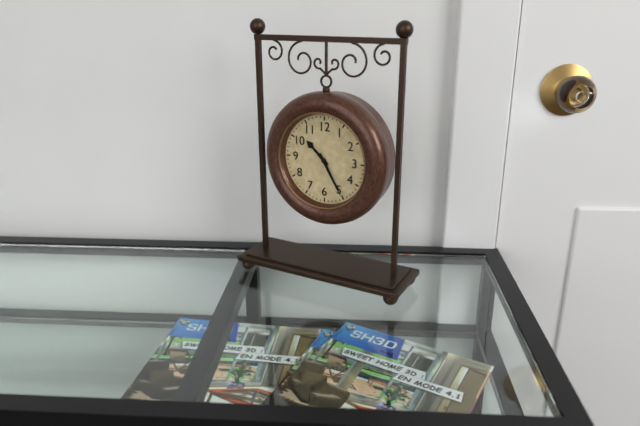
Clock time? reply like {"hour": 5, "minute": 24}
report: {"hour": 10, "minute": 25}
